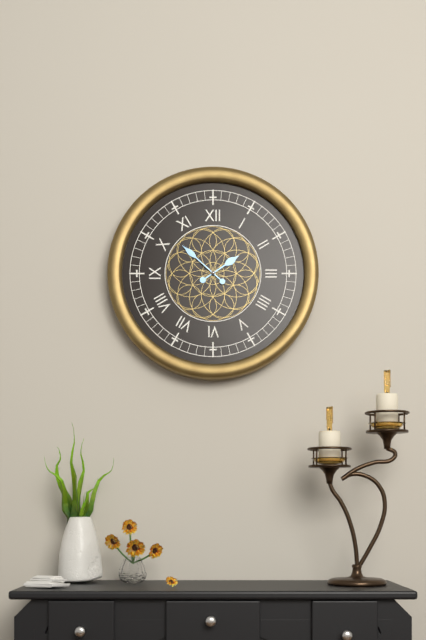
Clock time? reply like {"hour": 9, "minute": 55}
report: {"hour": 1, "minute": 52}
